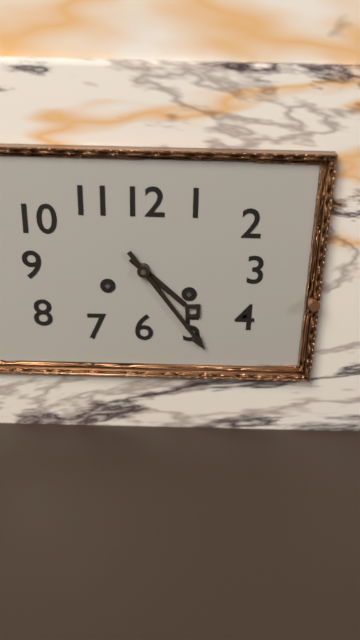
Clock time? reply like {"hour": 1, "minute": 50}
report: {"hour": 4, "minute": 24}
